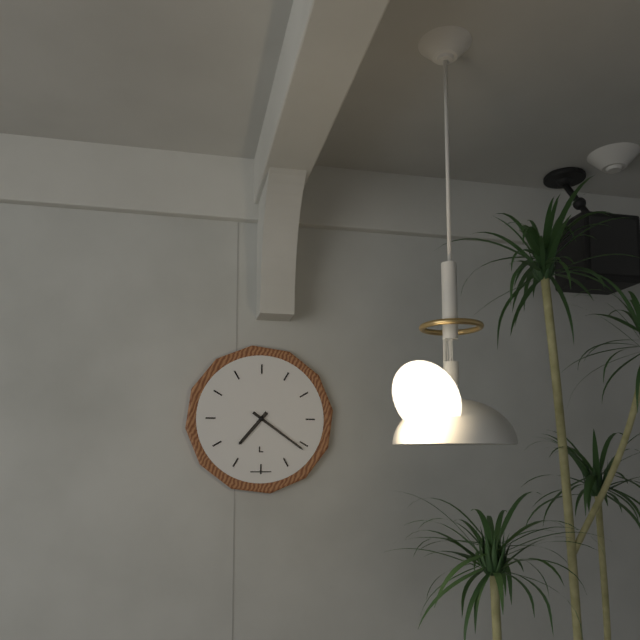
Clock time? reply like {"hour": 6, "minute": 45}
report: {"hour": 7, "minute": 21}
